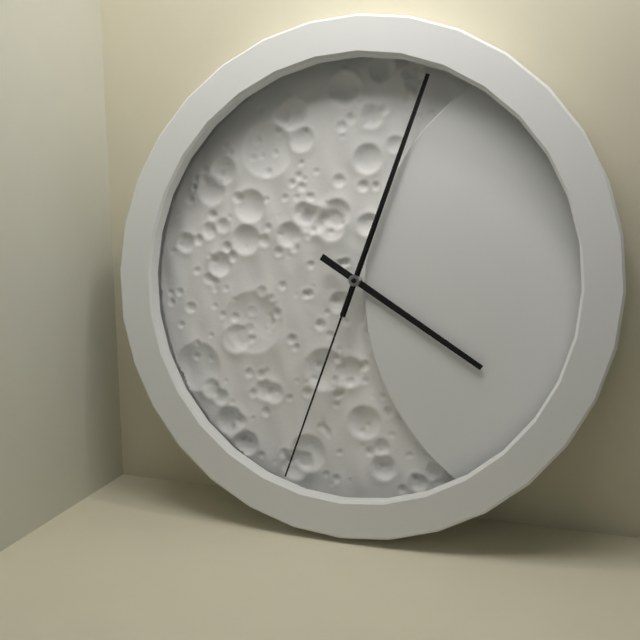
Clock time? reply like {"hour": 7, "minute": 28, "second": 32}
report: {"hour": 4, "minute": 3, "second": 33}
